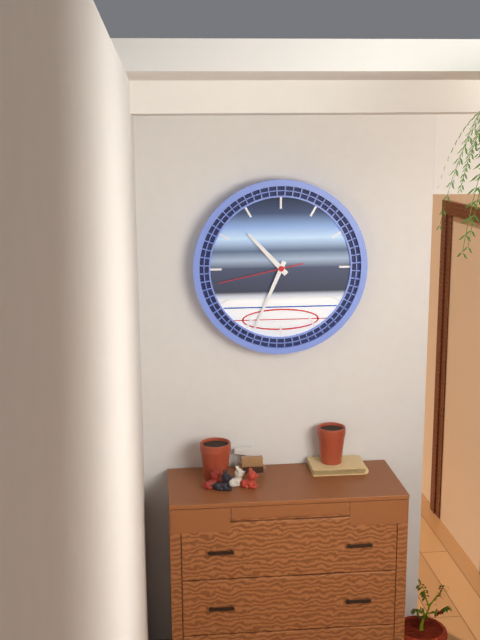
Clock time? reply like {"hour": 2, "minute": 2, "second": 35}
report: {"hour": 10, "minute": 34, "second": 43}
